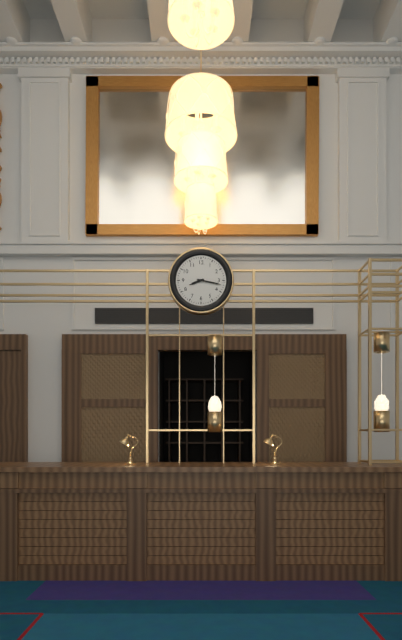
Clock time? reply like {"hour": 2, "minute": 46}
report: {"hour": 8, "minute": 17}
